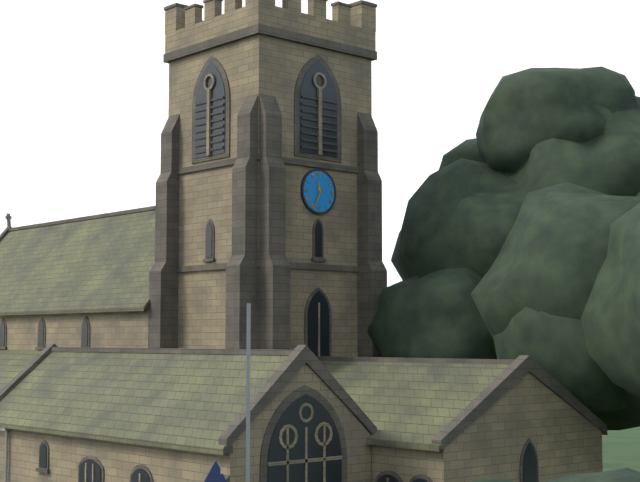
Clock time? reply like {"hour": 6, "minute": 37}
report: {"hour": 11, "minute": 34}
